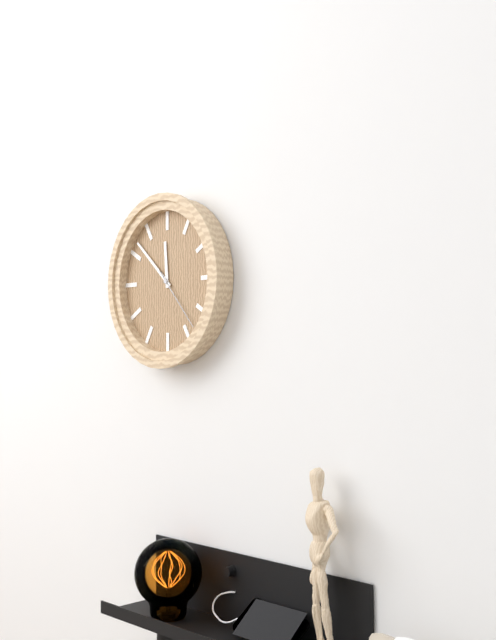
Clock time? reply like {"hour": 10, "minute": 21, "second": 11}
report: {"hour": 11, "minute": 52, "second": 23}
